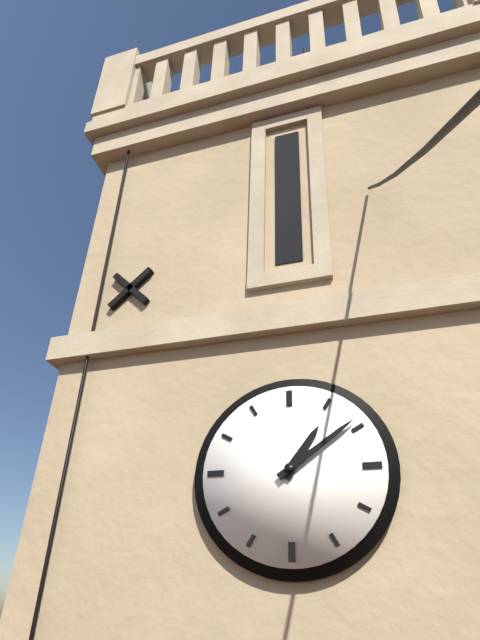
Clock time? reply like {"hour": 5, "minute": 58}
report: {"hour": 1, "minute": 9}
